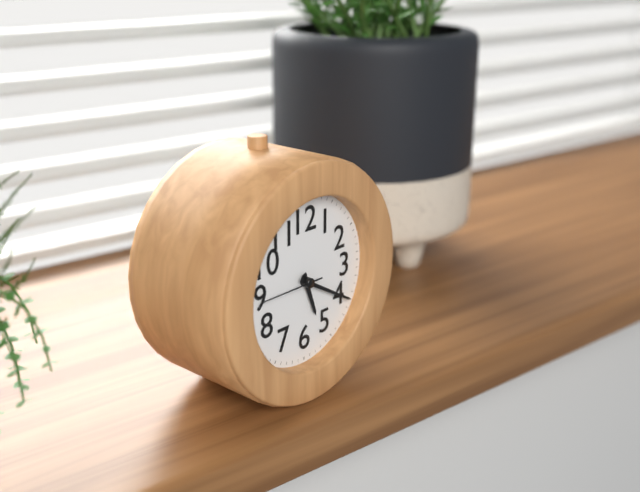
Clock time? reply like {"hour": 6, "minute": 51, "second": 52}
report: {"hour": 5, "minute": 20, "second": 45}
